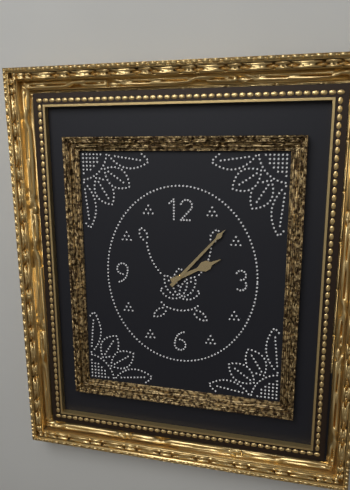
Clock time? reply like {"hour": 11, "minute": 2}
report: {"hour": 2, "minute": 7}
